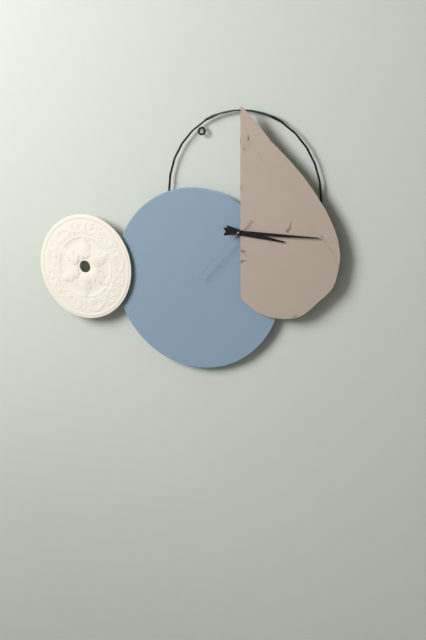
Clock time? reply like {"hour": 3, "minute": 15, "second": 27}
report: {"hour": 3, "minute": 15, "second": 37}
